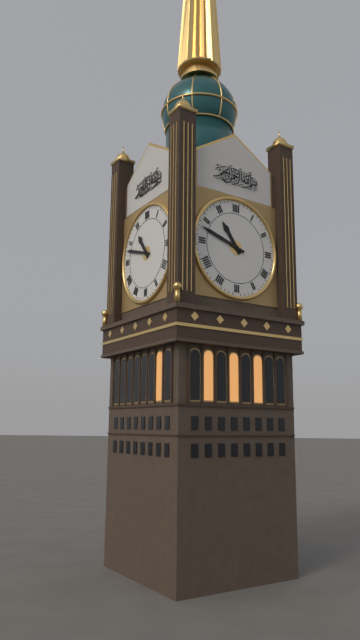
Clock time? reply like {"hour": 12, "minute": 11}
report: {"hour": 10, "minute": 48}
